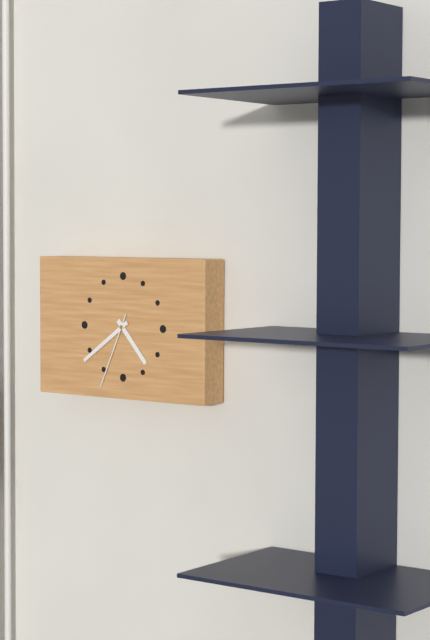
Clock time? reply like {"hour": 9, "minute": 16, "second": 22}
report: {"hour": 4, "minute": 39, "second": 34}
